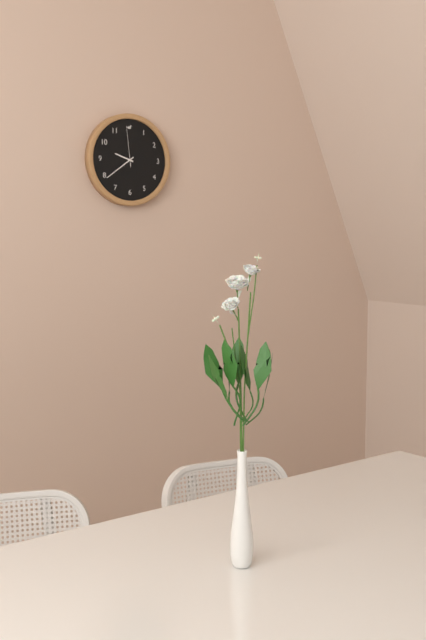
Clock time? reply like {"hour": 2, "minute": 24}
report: {"hour": 9, "minute": 39}
